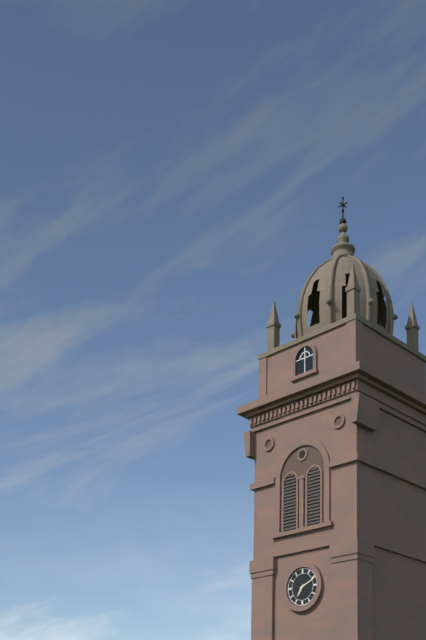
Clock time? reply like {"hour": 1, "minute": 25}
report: {"hour": 7, "minute": 11}
